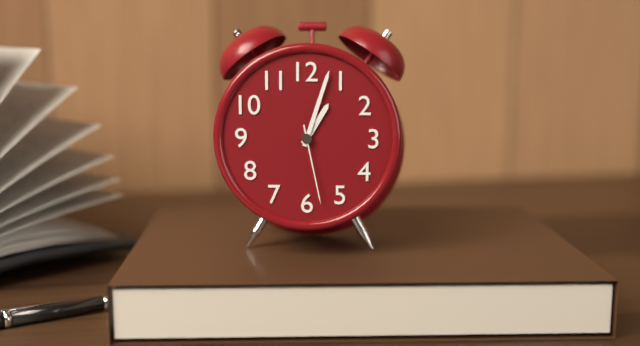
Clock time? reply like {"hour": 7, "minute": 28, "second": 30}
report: {"hour": 1, "minute": 3, "second": 28}
